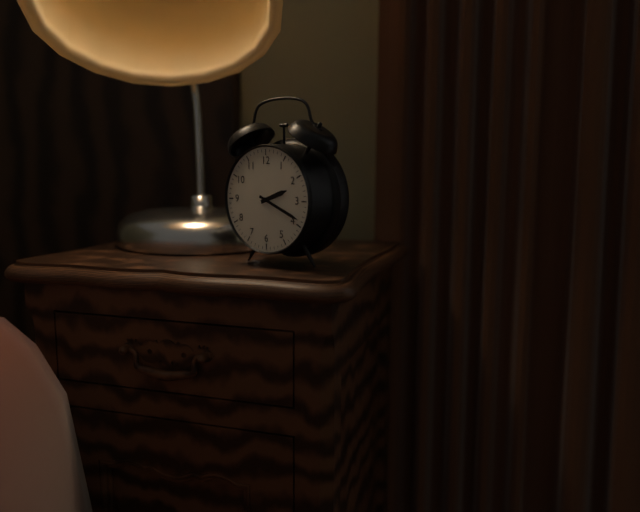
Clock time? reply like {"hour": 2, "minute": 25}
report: {"hour": 2, "minute": 19}
